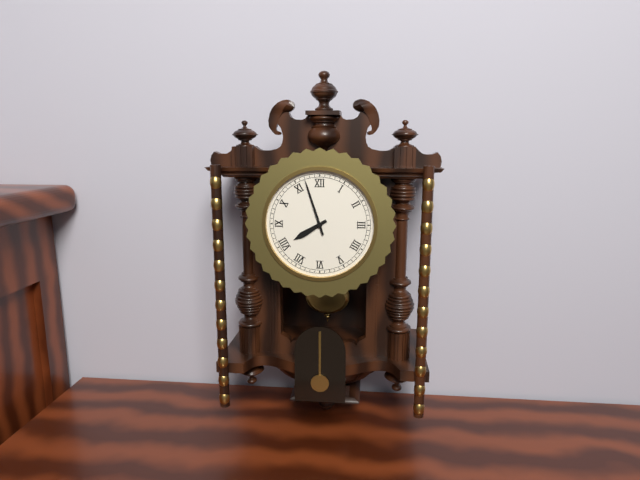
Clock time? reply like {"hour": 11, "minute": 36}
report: {"hour": 7, "minute": 57}
